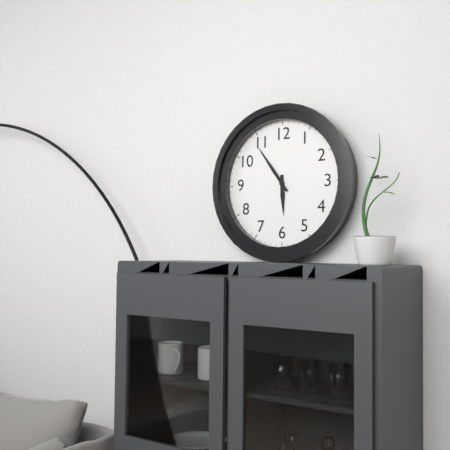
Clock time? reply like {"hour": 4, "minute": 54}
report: {"hour": 5, "minute": 54}
